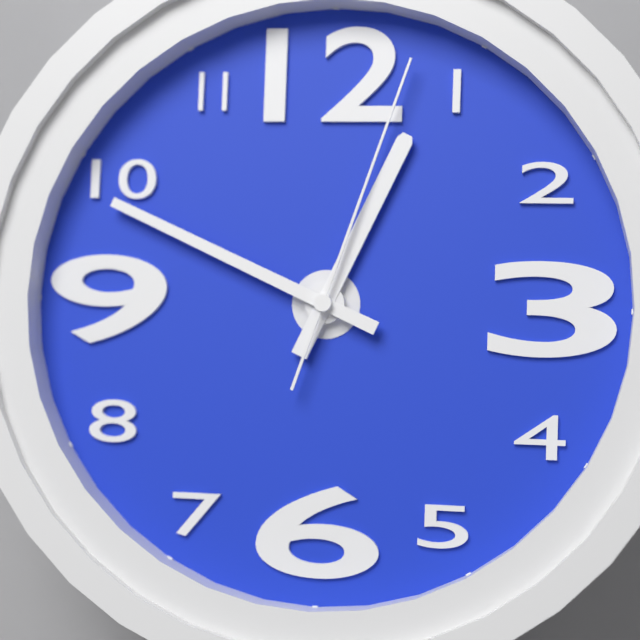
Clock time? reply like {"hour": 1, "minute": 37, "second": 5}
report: {"hour": 12, "minute": 49, "second": 3}
